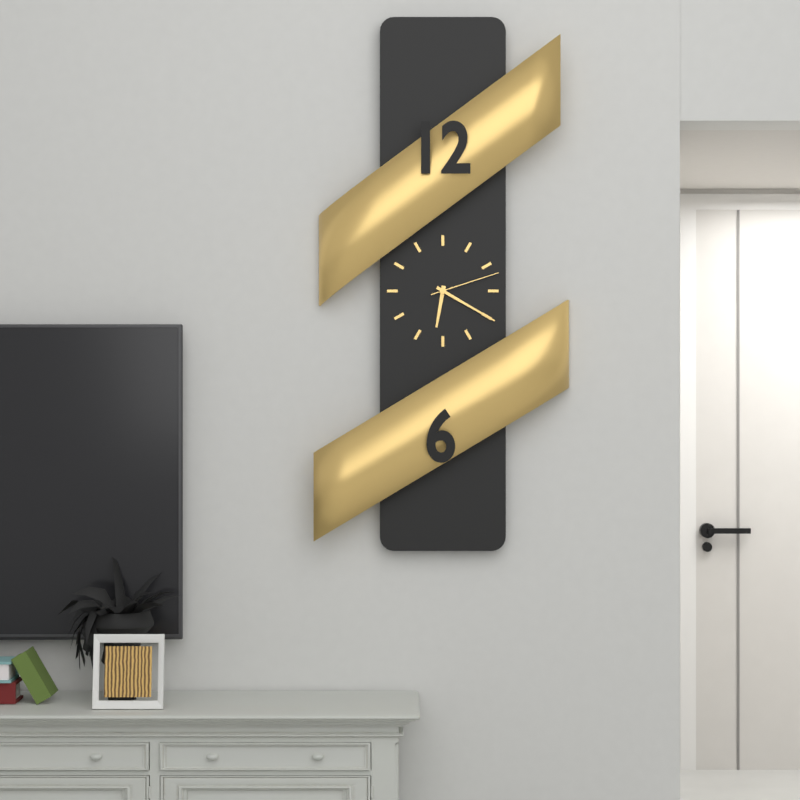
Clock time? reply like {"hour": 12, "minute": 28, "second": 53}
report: {"hour": 6, "minute": 20, "second": 12}
